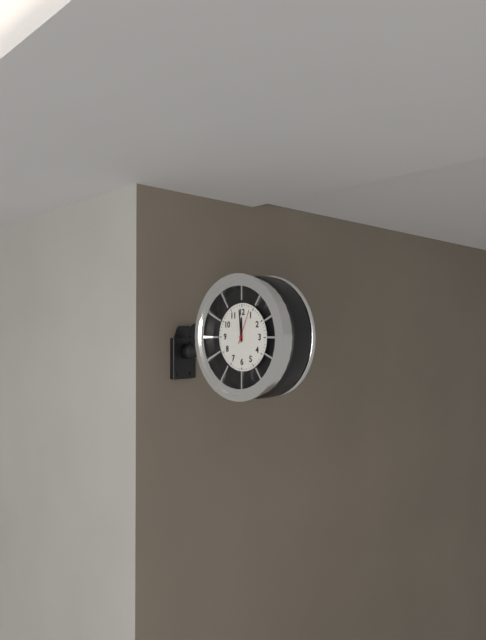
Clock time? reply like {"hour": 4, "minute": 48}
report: {"hour": 11, "minute": 59}
